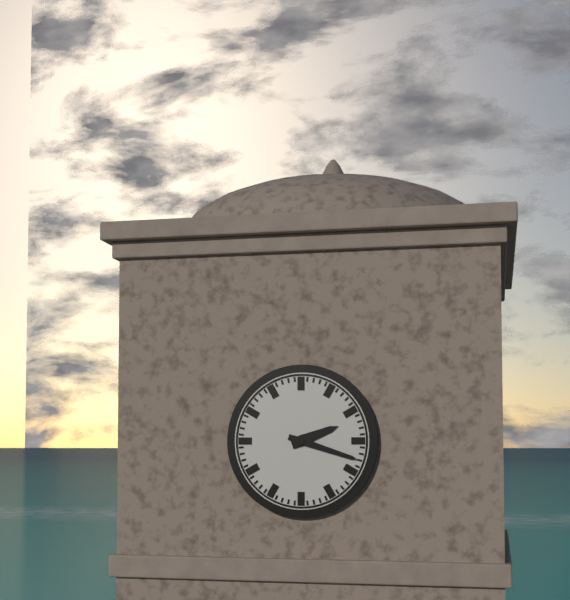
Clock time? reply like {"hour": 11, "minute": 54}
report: {"hour": 2, "minute": 18}
